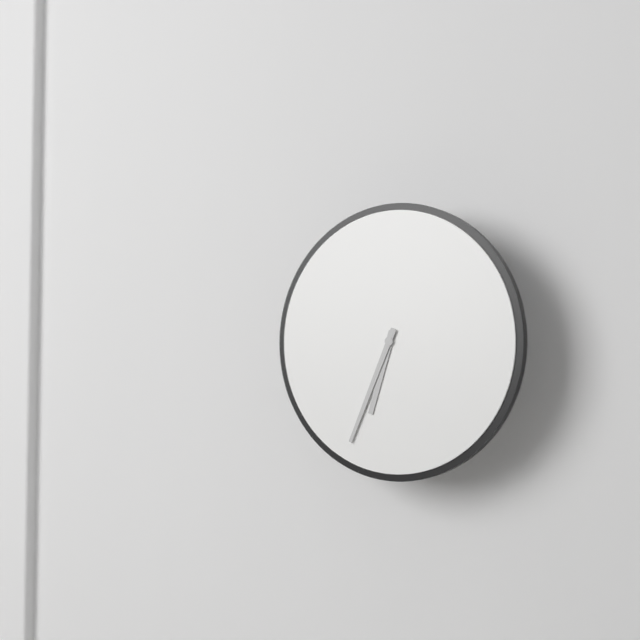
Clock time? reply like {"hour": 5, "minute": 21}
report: {"hour": 6, "minute": 34}
